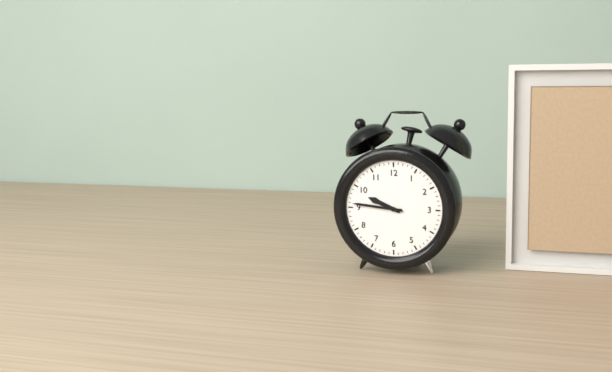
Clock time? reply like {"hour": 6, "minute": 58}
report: {"hour": 9, "minute": 46}
